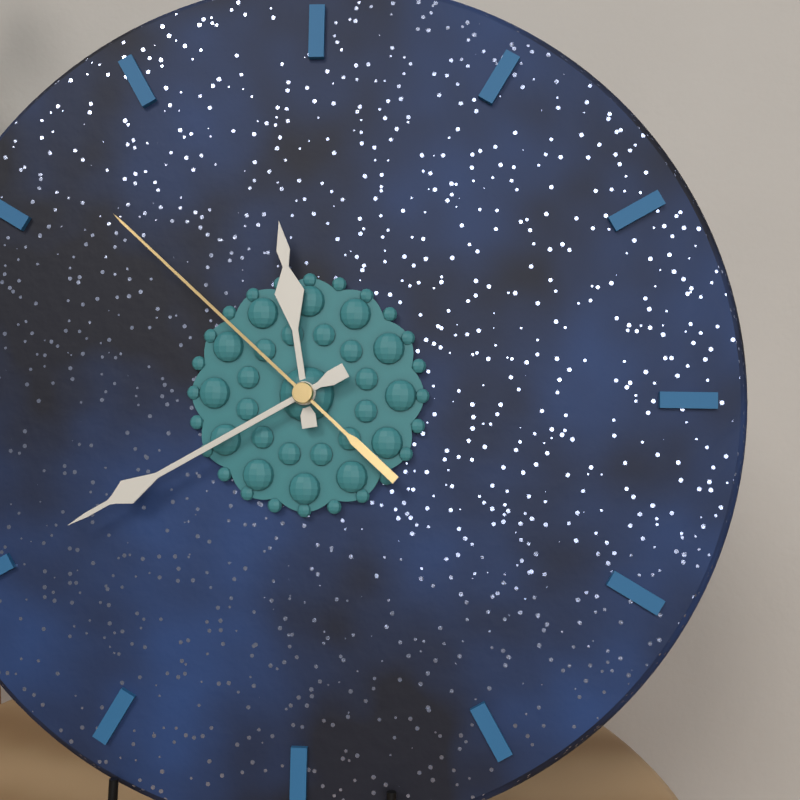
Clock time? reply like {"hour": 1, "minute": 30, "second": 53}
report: {"hour": 11, "minute": 40, "second": 52}
